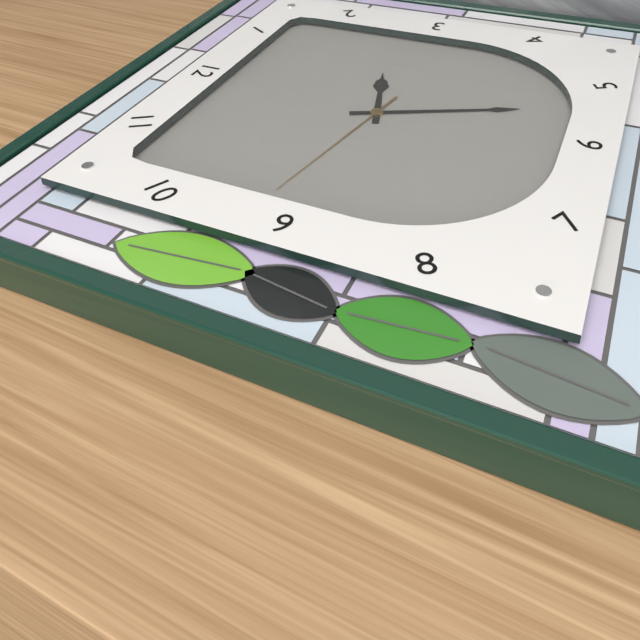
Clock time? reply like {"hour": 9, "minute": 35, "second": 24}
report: {"hour": 2, "minute": 26, "second": 47}
